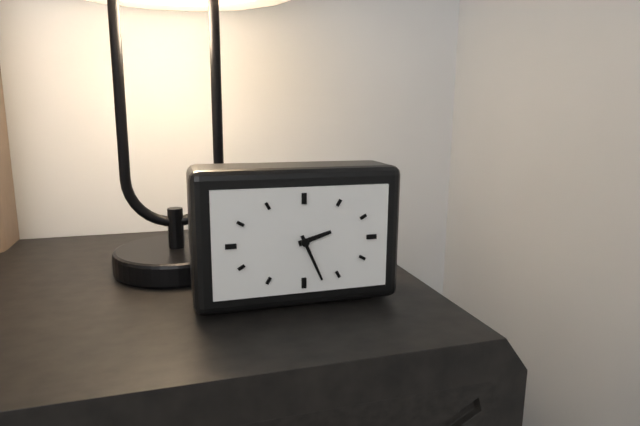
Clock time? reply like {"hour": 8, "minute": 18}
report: {"hour": 2, "minute": 26}
